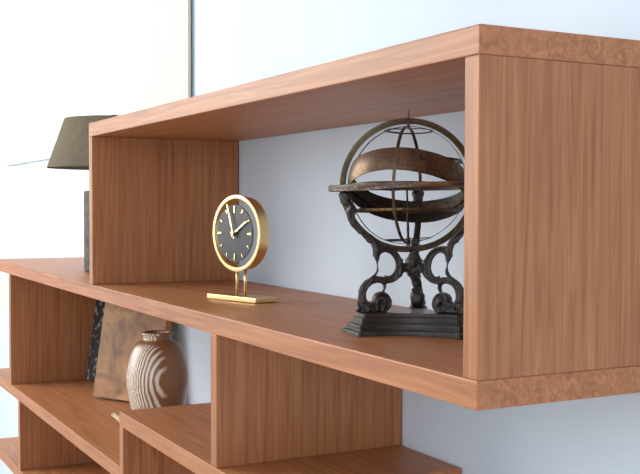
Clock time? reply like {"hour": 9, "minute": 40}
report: {"hour": 1, "minute": 57}
